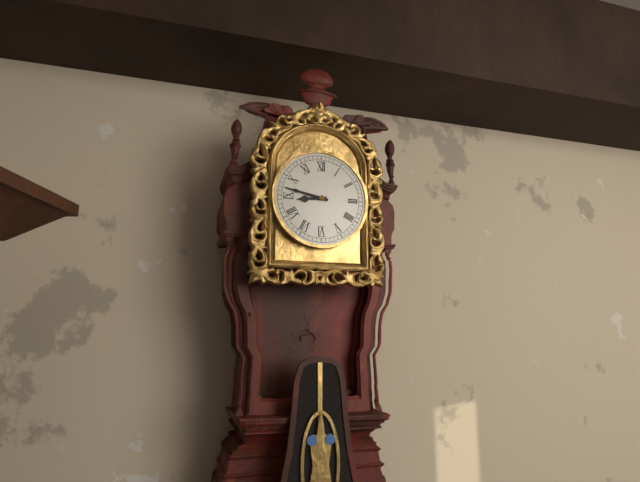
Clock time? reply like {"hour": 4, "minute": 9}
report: {"hour": 8, "minute": 47}
